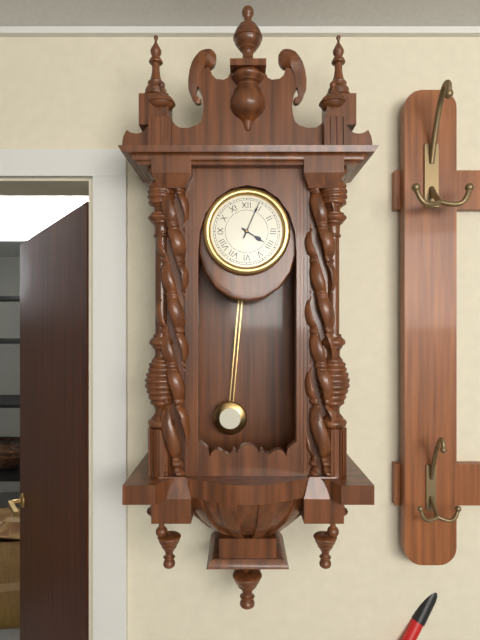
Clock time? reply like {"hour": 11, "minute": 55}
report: {"hour": 4, "minute": 4}
